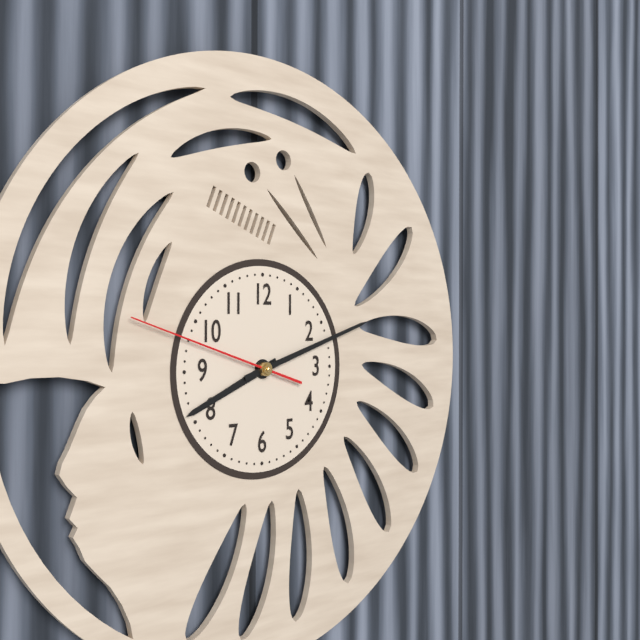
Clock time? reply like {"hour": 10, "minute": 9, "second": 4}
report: {"hour": 8, "minute": 12, "second": 48}
